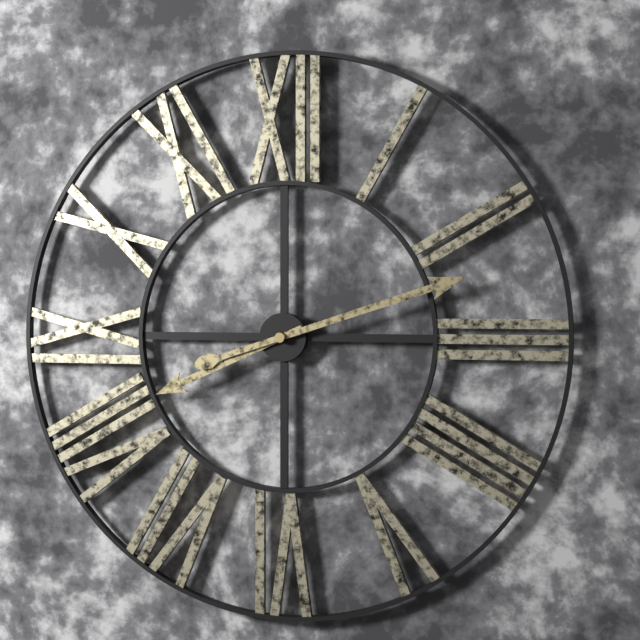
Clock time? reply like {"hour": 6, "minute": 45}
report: {"hour": 8, "minute": 12}
